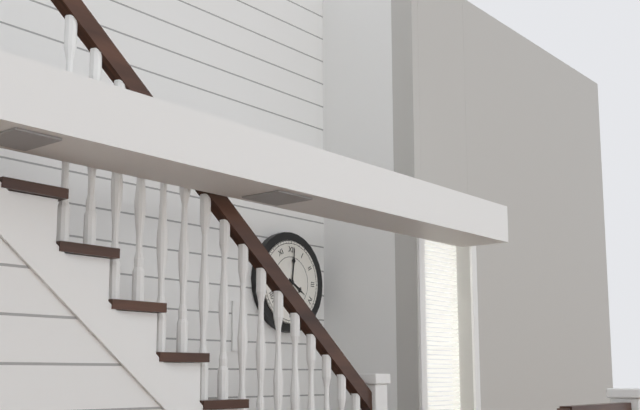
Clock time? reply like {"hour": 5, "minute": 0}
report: {"hour": 4, "minute": 1}
